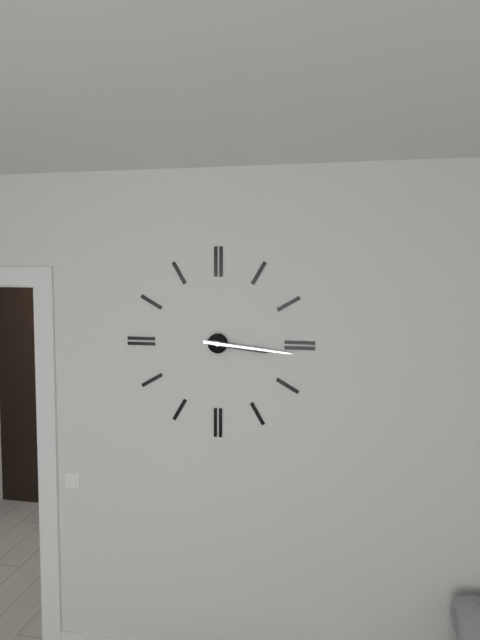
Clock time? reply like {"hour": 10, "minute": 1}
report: {"hour": 3, "minute": 16}
